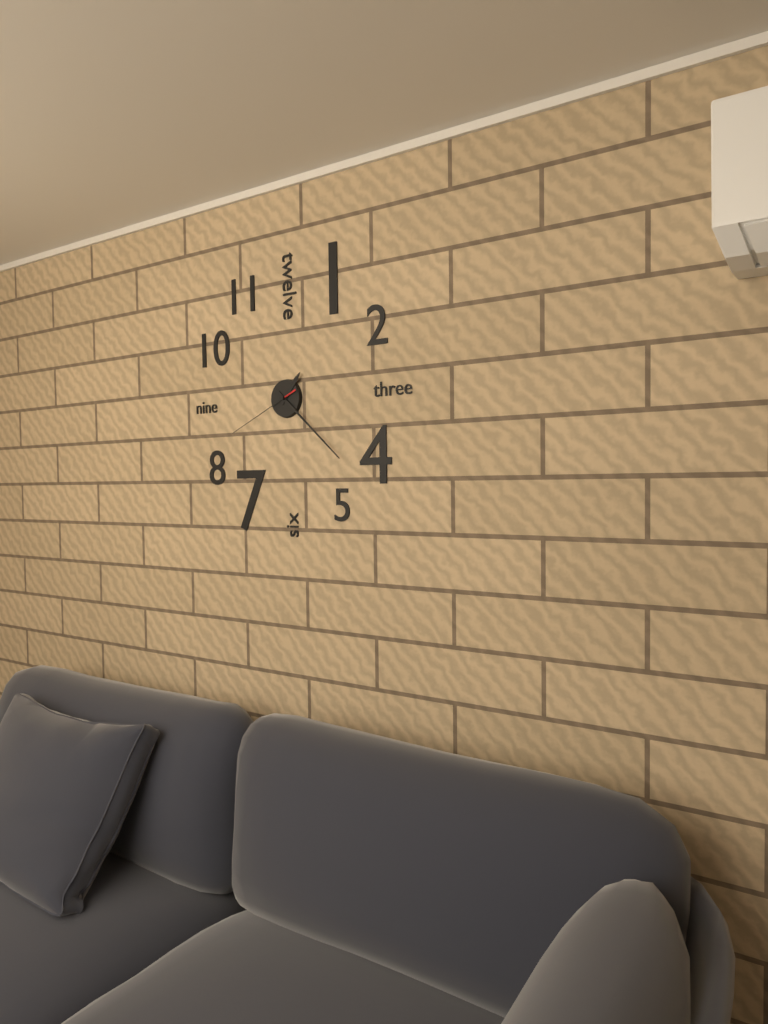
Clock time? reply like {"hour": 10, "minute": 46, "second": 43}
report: {"hour": 1, "minute": 22, "second": 41}
